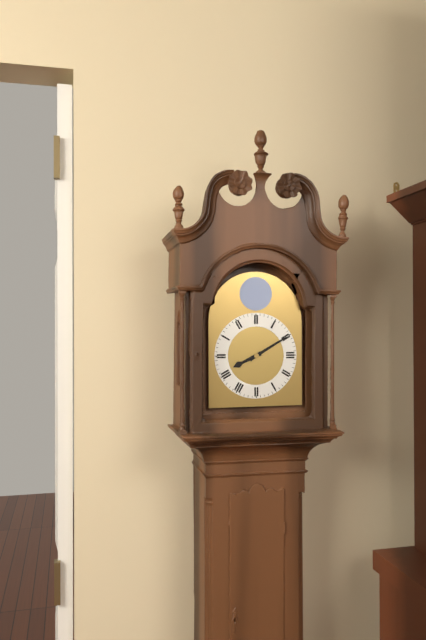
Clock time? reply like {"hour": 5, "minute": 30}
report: {"hour": 8, "minute": 10}
